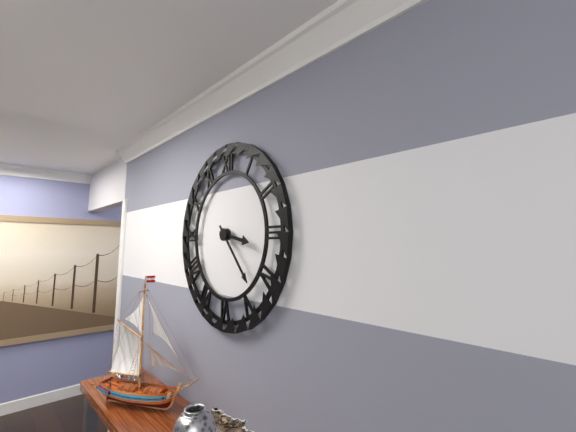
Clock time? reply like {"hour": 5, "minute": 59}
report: {"hour": 3, "minute": 23}
